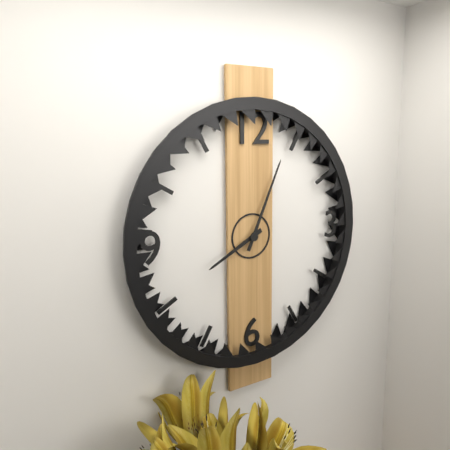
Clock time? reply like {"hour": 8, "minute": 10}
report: {"hour": 8, "minute": 4}
